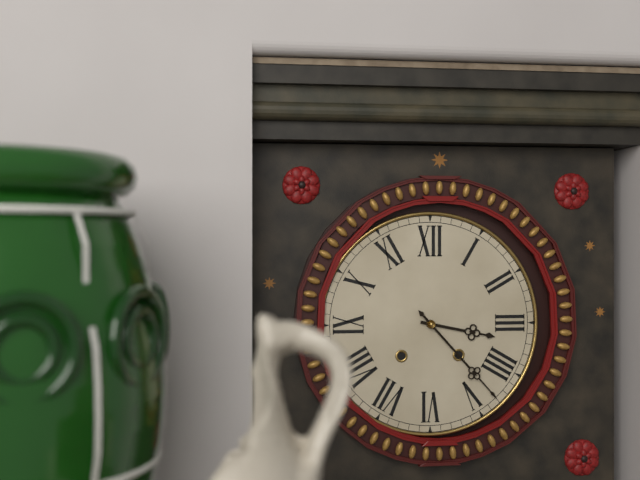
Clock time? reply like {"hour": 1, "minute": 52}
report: {"hour": 3, "minute": 23}
